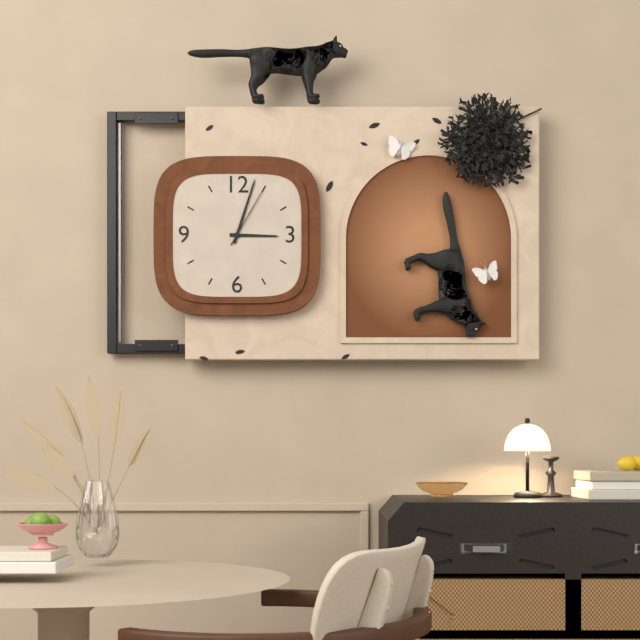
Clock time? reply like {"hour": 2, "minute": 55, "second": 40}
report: {"hour": 3, "minute": 3, "second": 5}
